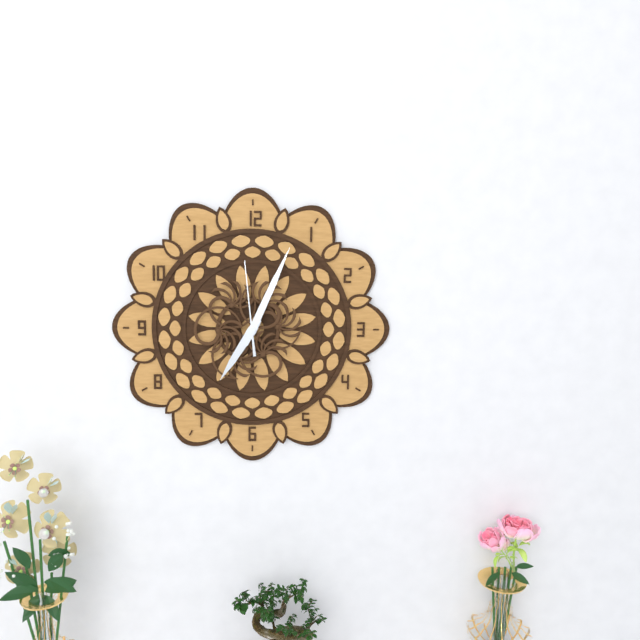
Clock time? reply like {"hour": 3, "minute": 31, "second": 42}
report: {"hour": 7, "minute": 4, "second": 59}
